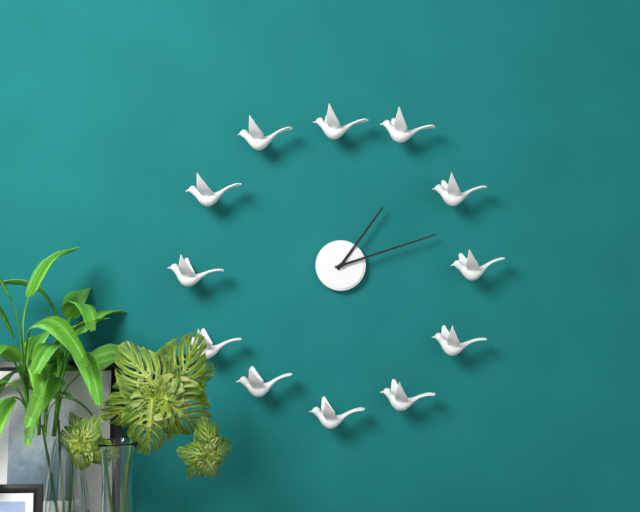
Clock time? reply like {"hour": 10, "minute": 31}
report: {"hour": 1, "minute": 12}
